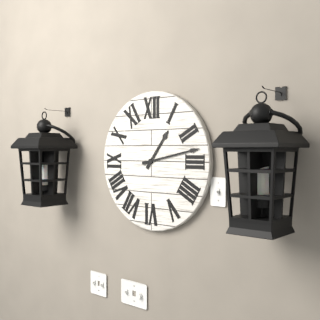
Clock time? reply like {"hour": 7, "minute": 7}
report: {"hour": 1, "minute": 13}
